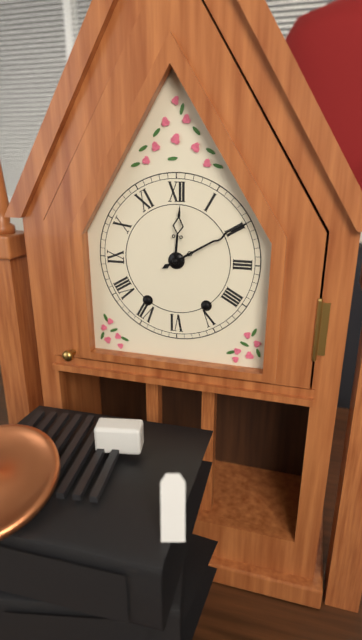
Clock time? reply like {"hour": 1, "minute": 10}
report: {"hour": 12, "minute": 10}
